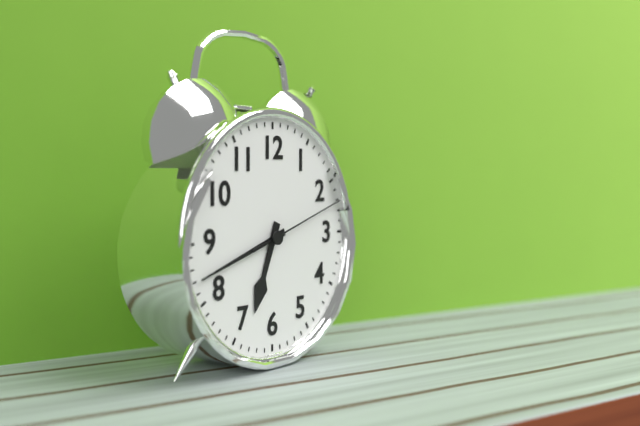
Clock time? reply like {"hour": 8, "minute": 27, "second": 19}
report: {"hour": 6, "minute": 42, "second": 12}
